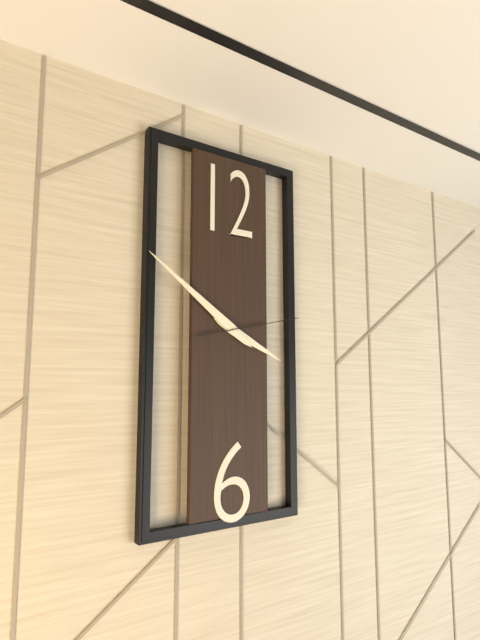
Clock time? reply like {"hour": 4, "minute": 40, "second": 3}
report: {"hour": 3, "minute": 51, "second": 13}
